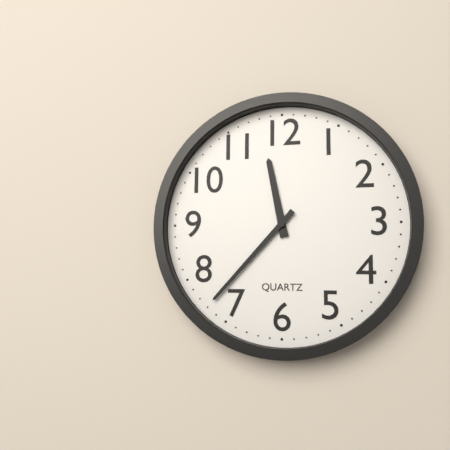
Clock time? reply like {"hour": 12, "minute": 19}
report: {"hour": 11, "minute": 37}
